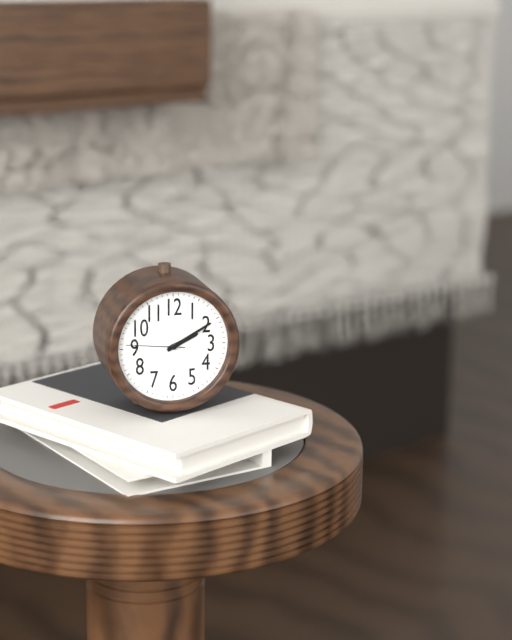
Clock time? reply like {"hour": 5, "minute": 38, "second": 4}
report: {"hour": 2, "minute": 10, "second": 46}
